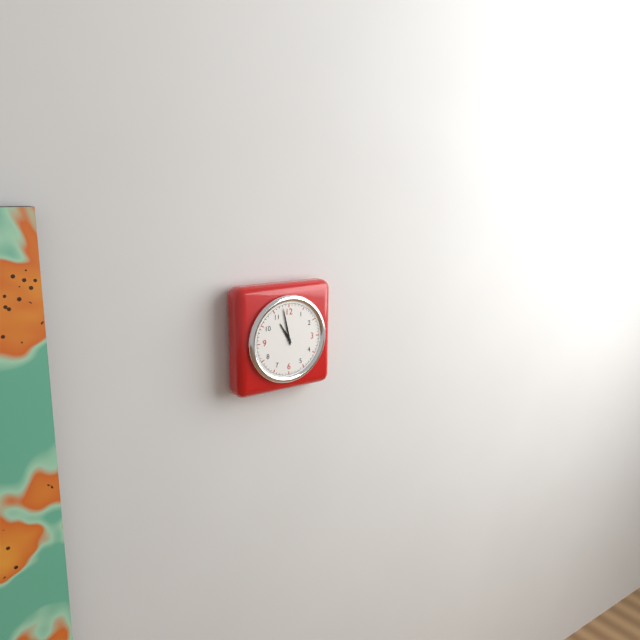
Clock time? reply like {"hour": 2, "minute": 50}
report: {"hour": 10, "minute": 58}
